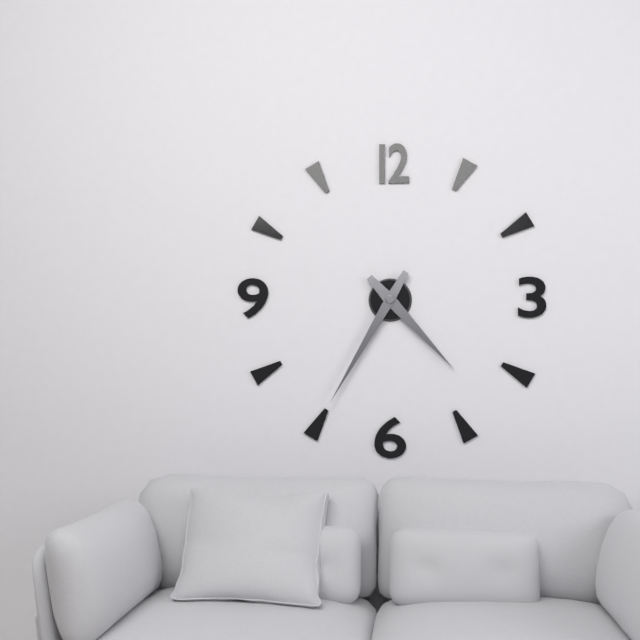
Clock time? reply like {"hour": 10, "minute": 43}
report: {"hour": 4, "minute": 35}
